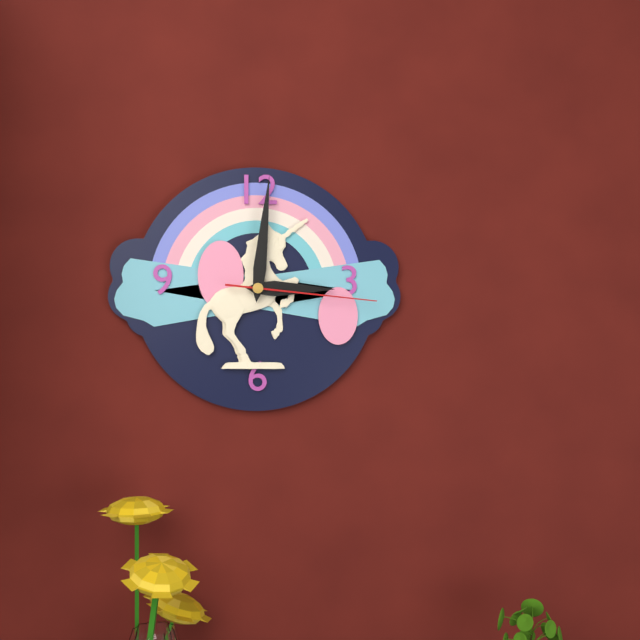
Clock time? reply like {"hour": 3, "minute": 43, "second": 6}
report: {"hour": 3, "minute": 1, "second": 16}
